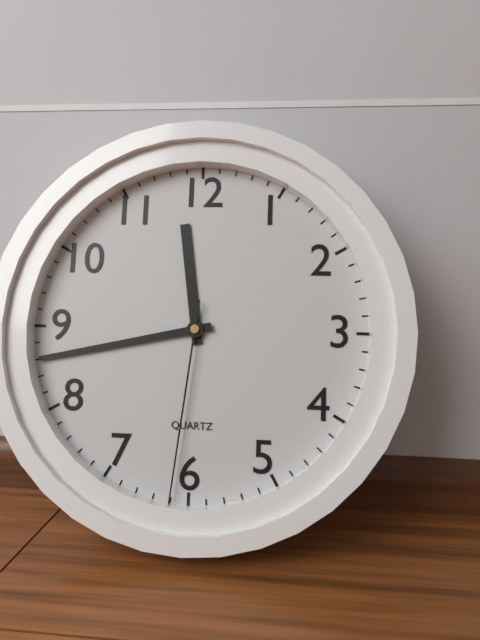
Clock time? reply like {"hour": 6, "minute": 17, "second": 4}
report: {"hour": 11, "minute": 43, "second": 31}
